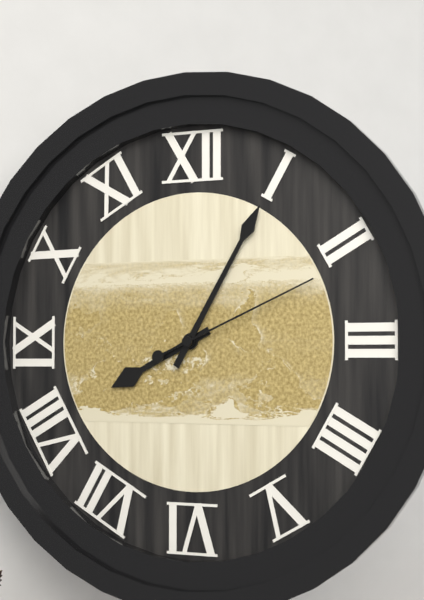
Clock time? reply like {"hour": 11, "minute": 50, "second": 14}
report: {"hour": 8, "minute": 5, "second": 11}
